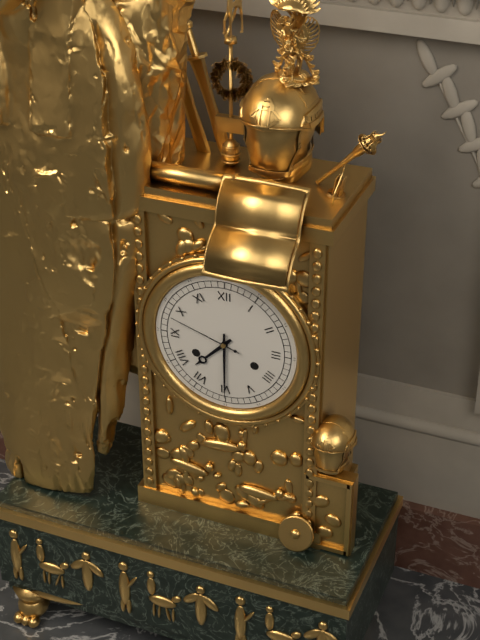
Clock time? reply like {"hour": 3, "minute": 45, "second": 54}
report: {"hour": 7, "minute": 30, "second": 48}
